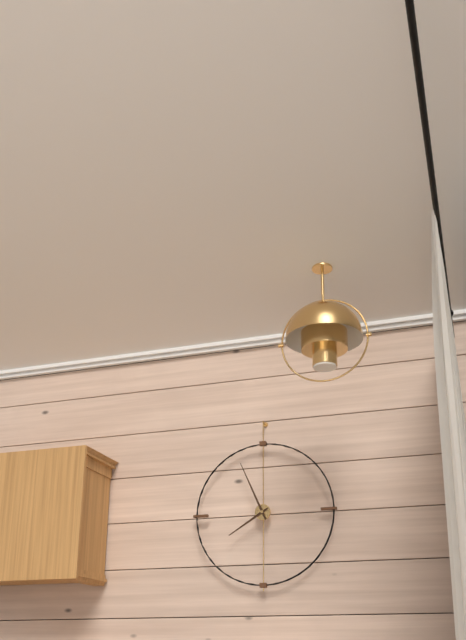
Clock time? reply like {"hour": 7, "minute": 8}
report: {"hour": 7, "minute": 56}
